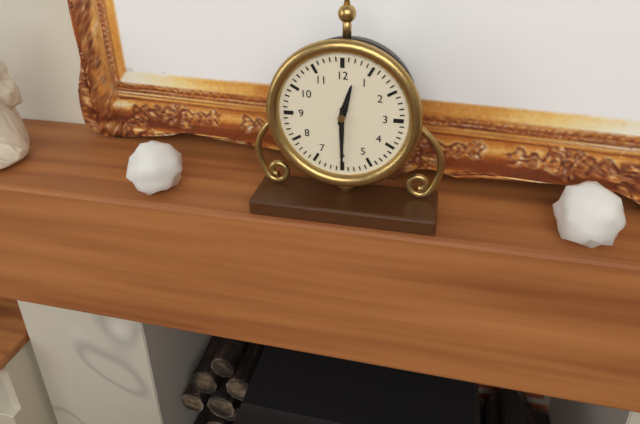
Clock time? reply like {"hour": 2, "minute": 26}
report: {"hour": 12, "minute": 30}
